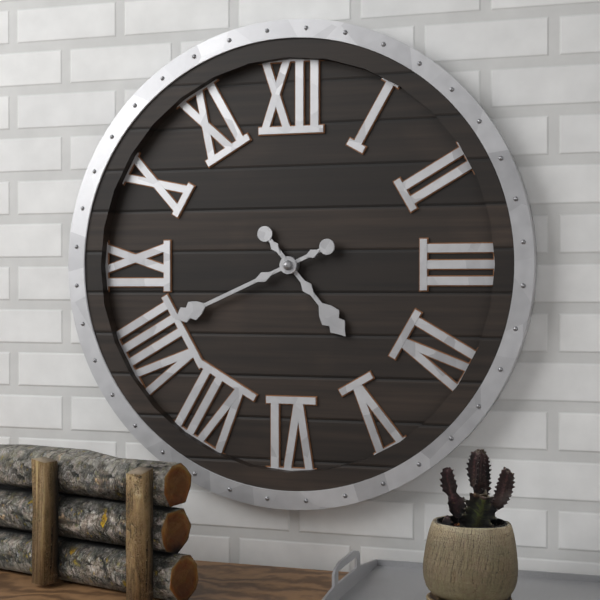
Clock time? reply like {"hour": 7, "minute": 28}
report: {"hour": 4, "minute": 41}
